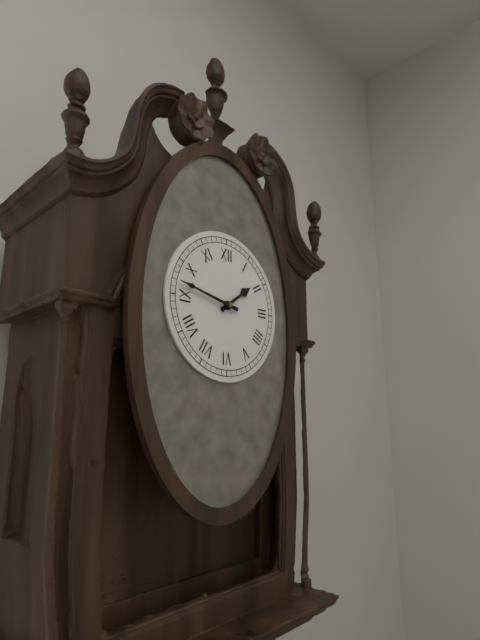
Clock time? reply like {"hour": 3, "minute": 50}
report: {"hour": 1, "minute": 47}
